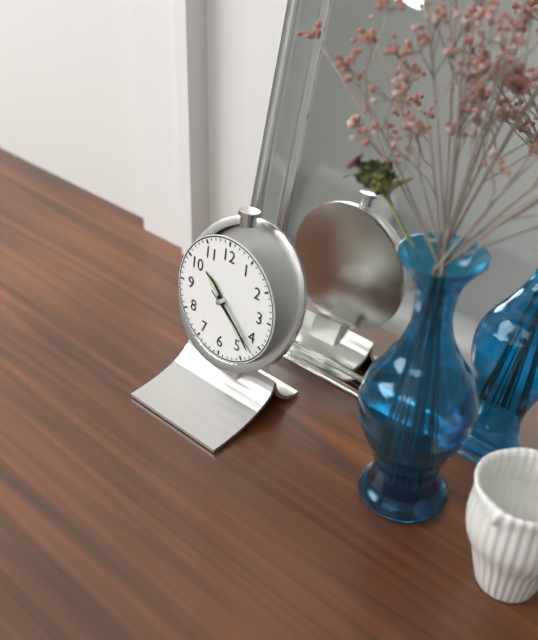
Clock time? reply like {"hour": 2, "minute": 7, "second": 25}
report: {"hour": 10, "minute": 22, "second": 21}
